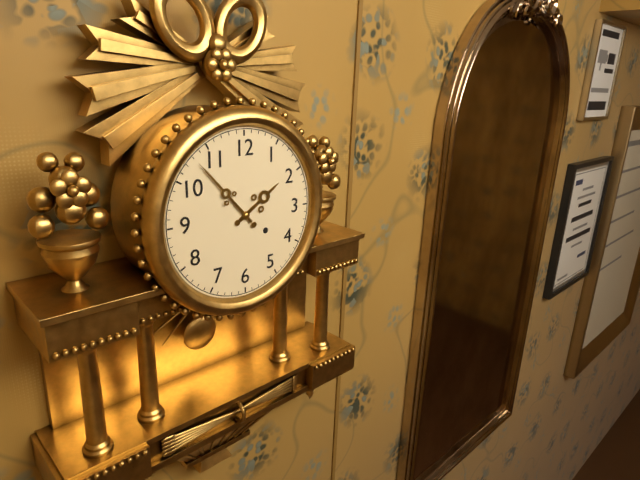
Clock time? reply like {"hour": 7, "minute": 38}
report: {"hour": 1, "minute": 53}
